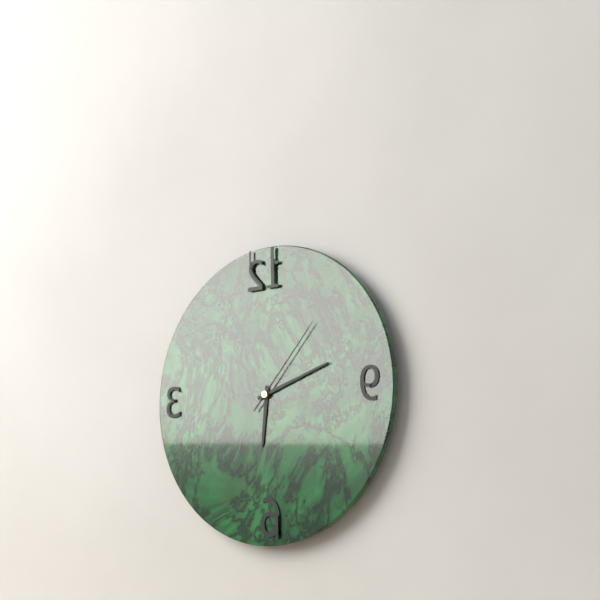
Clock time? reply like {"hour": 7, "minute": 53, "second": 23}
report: {"hour": 6, "minute": 12, "second": 7}
